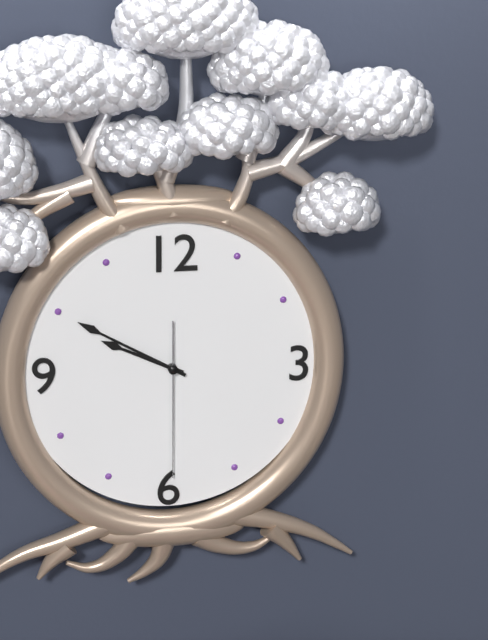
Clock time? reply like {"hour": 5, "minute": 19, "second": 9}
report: {"hour": 9, "minute": 50, "second": 30}
